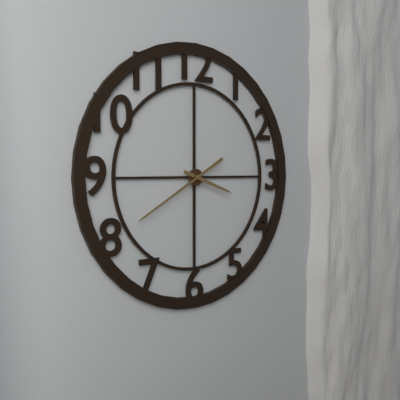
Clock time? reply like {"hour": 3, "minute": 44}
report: {"hour": 3, "minute": 40}
